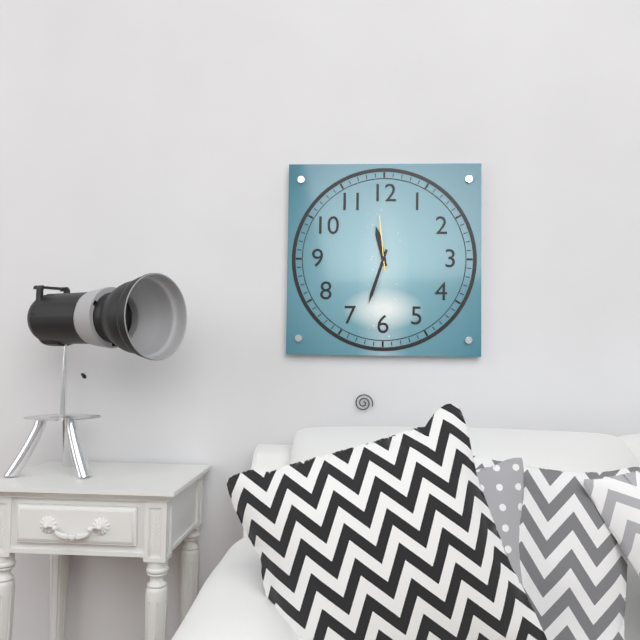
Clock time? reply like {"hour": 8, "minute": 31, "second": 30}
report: {"hour": 11, "minute": 33, "second": 59}
